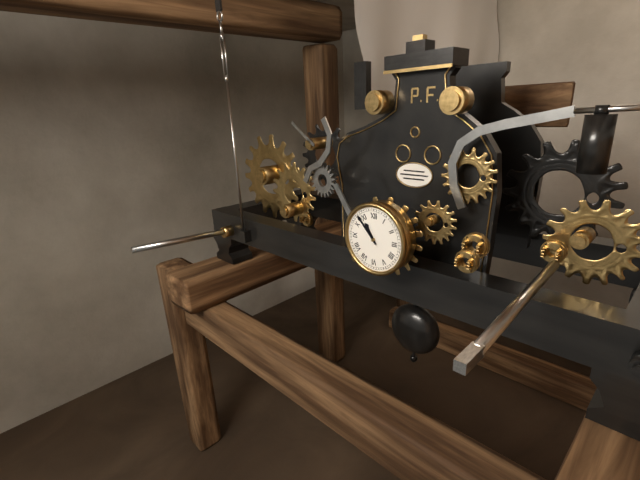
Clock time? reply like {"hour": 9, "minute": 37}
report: {"hour": 10, "minute": 53}
